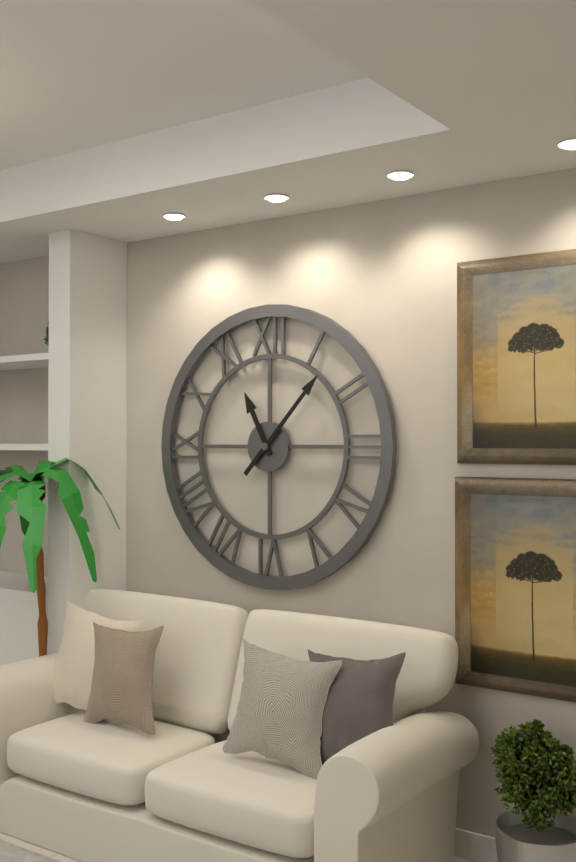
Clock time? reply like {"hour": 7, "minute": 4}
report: {"hour": 11, "minute": 7}
